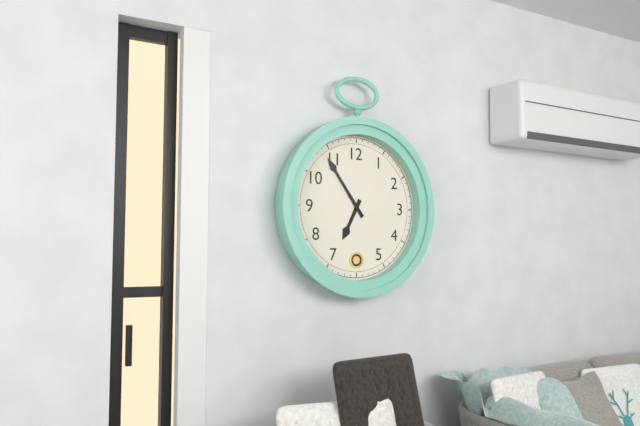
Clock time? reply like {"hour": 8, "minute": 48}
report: {"hour": 6, "minute": 54}
